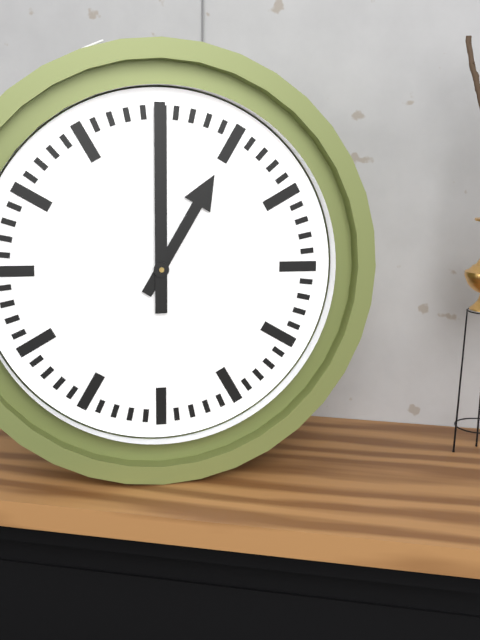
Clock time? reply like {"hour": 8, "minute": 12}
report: {"hour": 1, "minute": 0}
